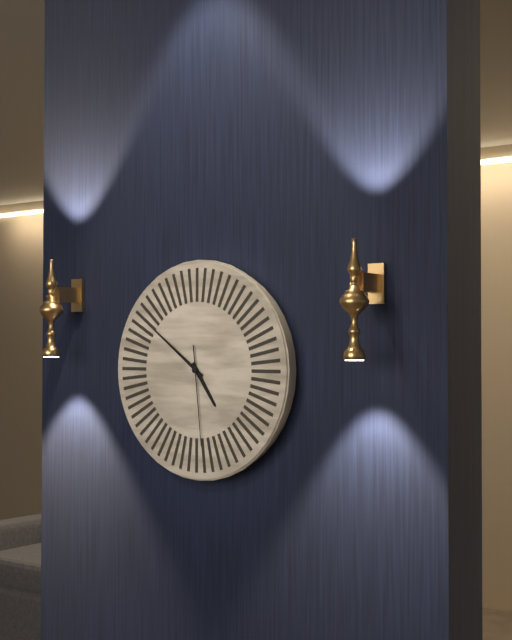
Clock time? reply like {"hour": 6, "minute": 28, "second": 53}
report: {"hour": 4, "minute": 51, "second": 29}
